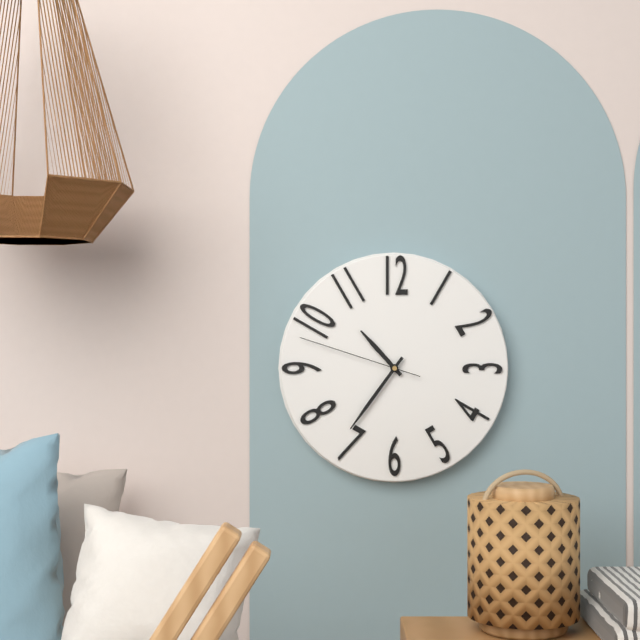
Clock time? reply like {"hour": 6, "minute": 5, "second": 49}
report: {"hour": 10, "minute": 36, "second": 48}
